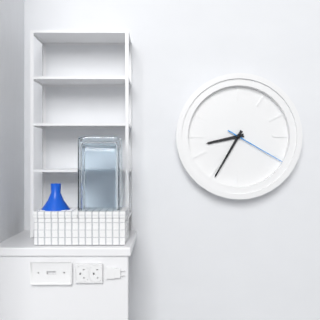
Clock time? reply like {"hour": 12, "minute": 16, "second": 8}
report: {"hour": 8, "minute": 35, "second": 20}
